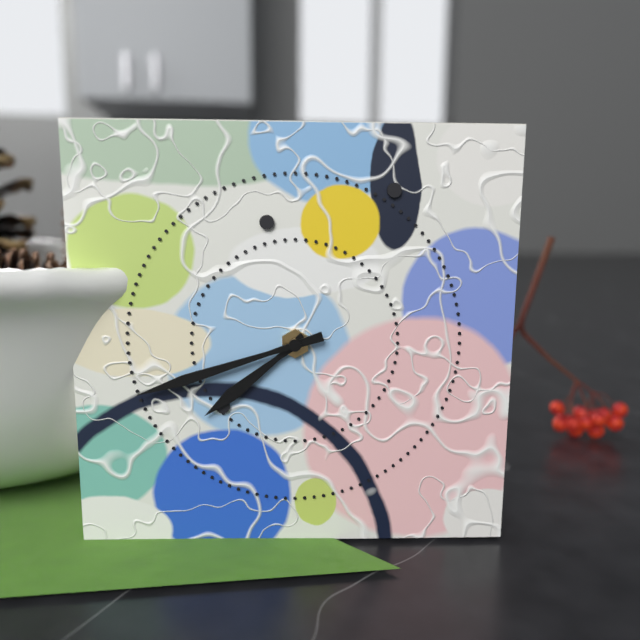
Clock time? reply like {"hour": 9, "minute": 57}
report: {"hour": 7, "minute": 42}
